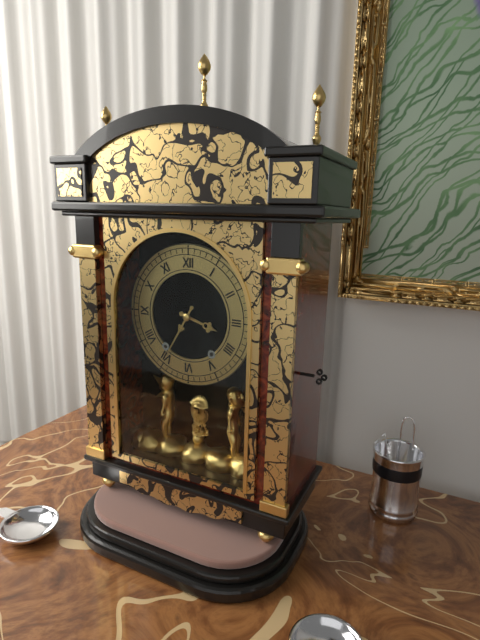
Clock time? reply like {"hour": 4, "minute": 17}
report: {"hour": 3, "minute": 35}
